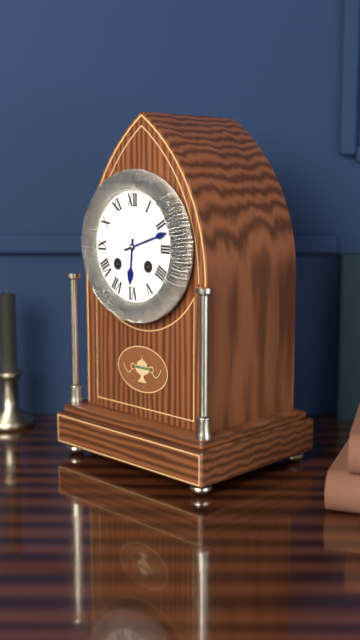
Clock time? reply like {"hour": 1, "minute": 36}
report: {"hour": 6, "minute": 12}
